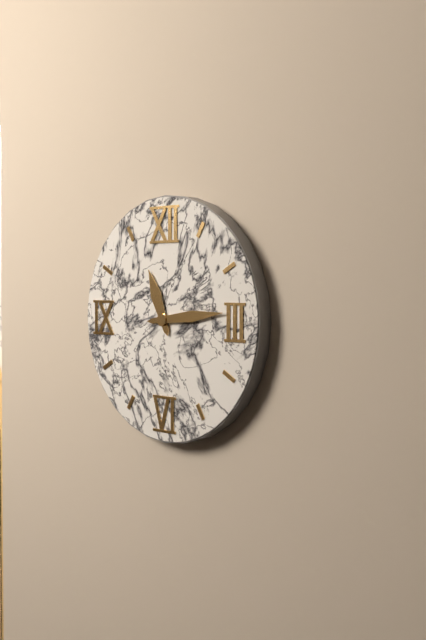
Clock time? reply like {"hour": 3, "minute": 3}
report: {"hour": 11, "minute": 14}
